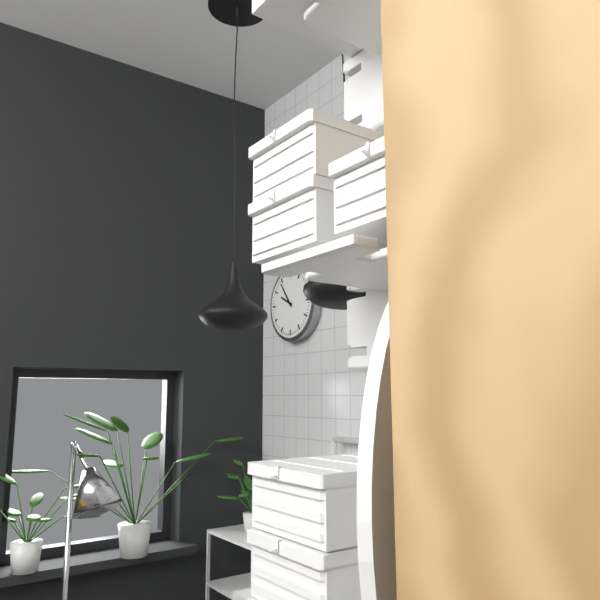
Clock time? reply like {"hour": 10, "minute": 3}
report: {"hour": 9, "minute": 54}
